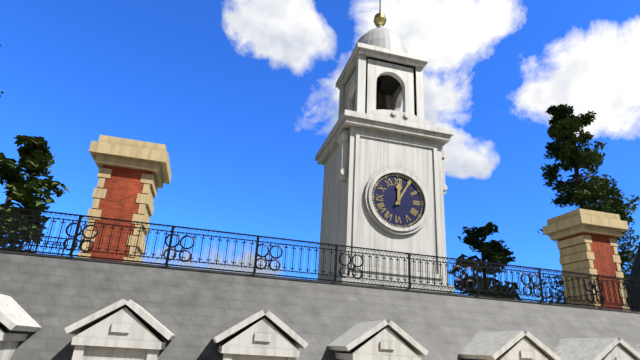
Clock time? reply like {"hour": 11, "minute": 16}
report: {"hour": 12, "minute": 5}
